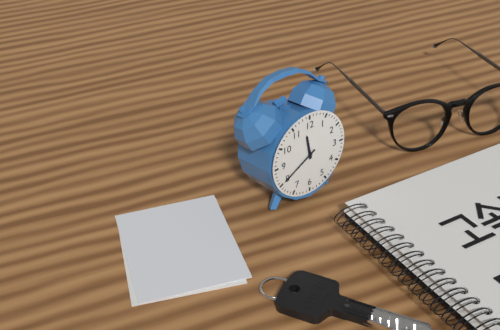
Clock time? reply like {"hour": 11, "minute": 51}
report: {"hour": 11, "minute": 40}
